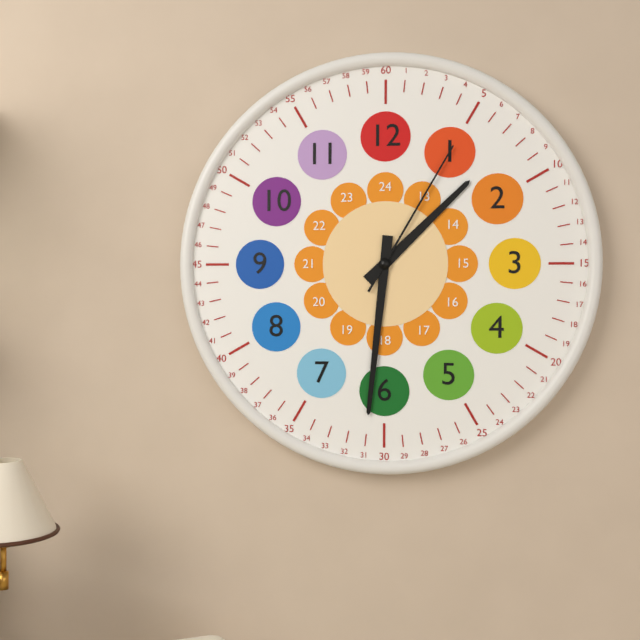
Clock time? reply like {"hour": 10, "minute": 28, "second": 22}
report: {"hour": 1, "minute": 31, "second": 5}
